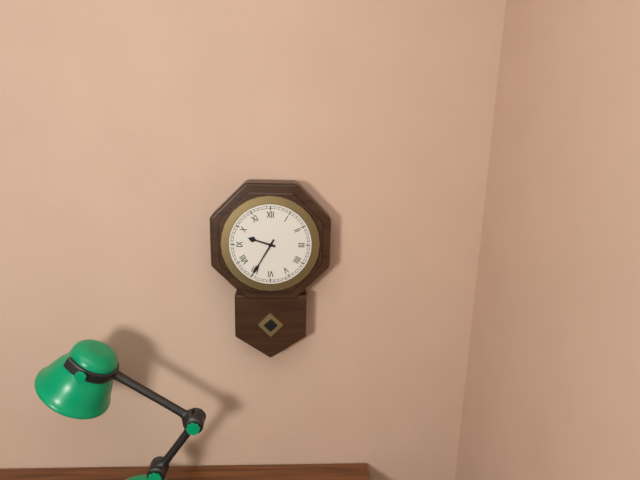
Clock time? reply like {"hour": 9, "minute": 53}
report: {"hour": 9, "minute": 35}
